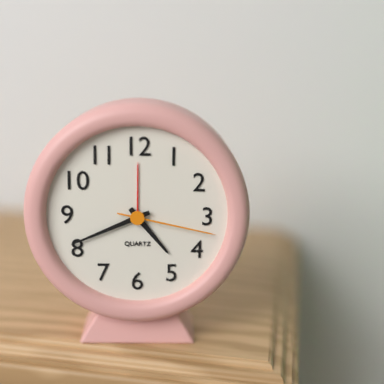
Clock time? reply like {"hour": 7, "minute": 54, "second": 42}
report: {"hour": 4, "minute": 41, "second": 17}
